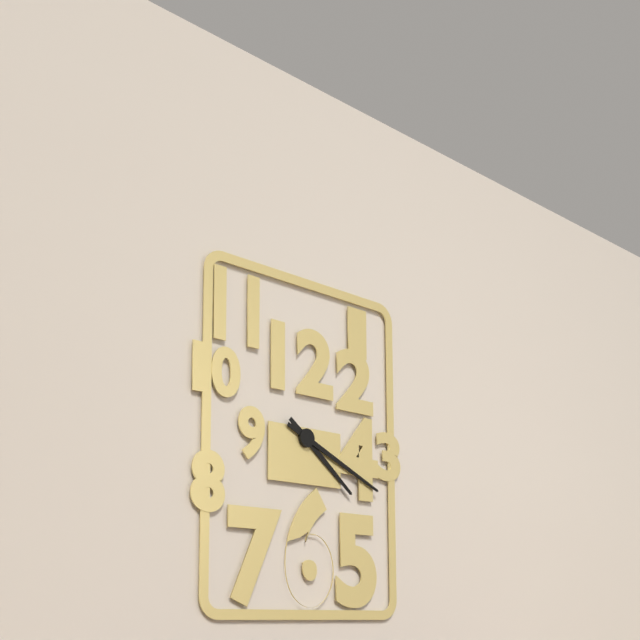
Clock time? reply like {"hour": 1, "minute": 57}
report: {"hour": 4, "minute": 19}
